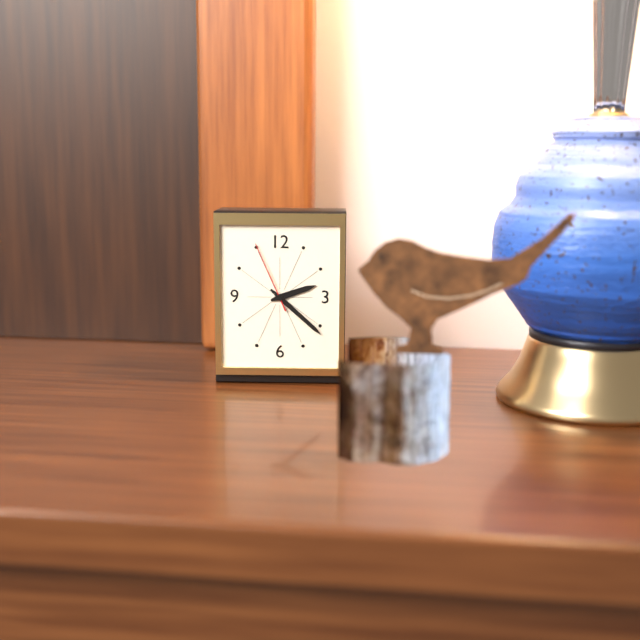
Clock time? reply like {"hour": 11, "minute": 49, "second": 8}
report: {"hour": 2, "minute": 22, "second": 56}
